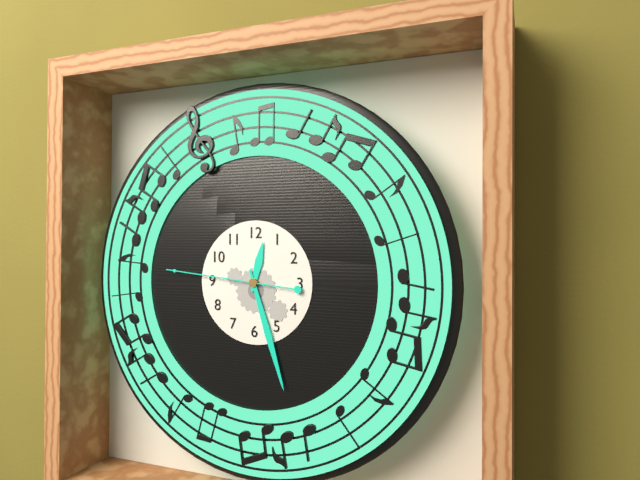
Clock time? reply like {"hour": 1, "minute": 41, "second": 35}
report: {"hour": 12, "minute": 27, "second": 46}
